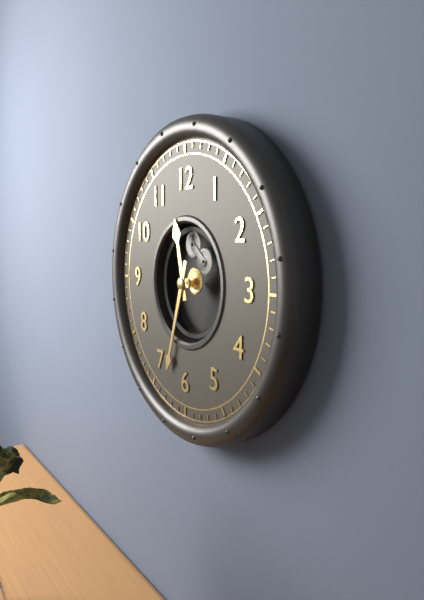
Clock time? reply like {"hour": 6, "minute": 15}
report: {"hour": 11, "minute": 33}
